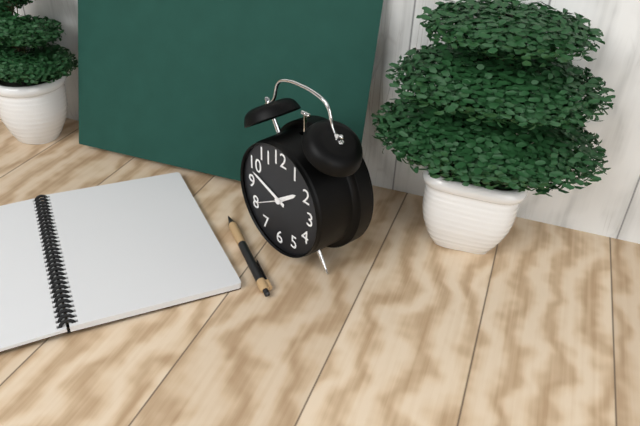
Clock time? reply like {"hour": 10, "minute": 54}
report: {"hour": 1, "minute": 48}
